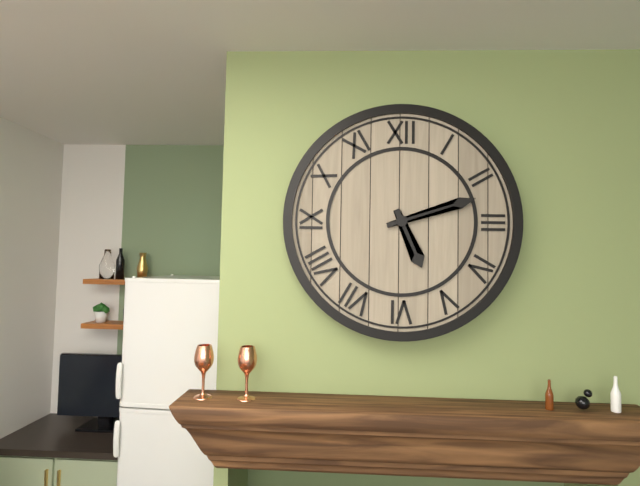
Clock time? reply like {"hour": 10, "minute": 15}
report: {"hour": 5, "minute": 12}
